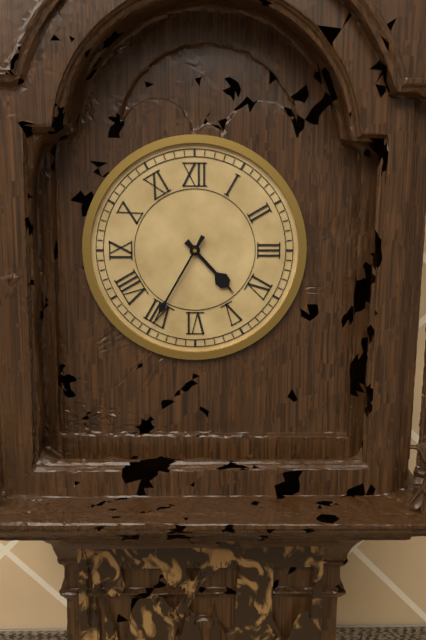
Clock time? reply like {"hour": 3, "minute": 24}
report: {"hour": 4, "minute": 35}
